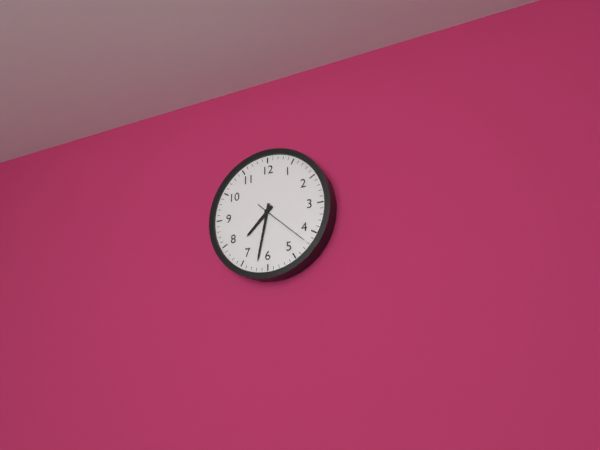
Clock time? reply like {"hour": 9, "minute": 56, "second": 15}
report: {"hour": 7, "minute": 32, "second": 22}
